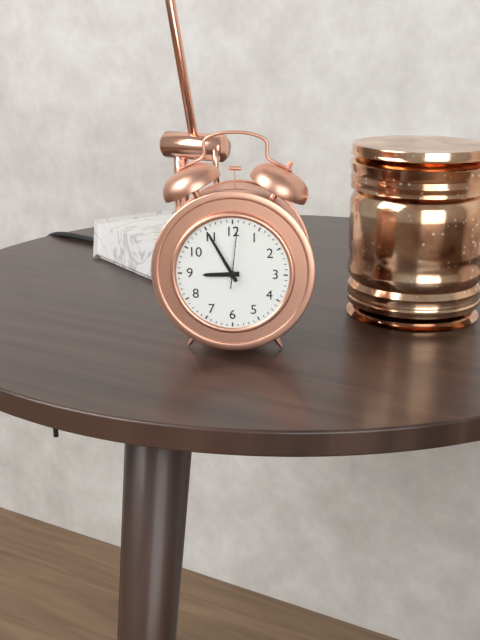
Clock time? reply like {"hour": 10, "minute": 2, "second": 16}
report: {"hour": 8, "minute": 55, "second": 1}
